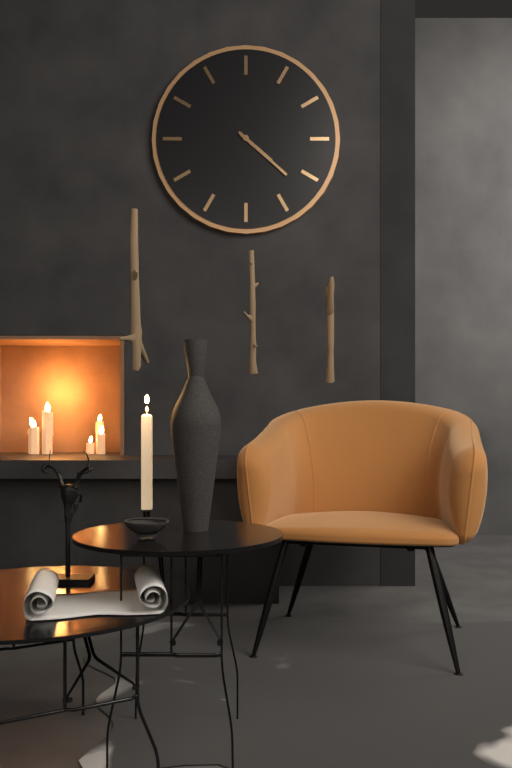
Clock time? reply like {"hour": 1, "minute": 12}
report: {"hour": 4, "minute": 22}
